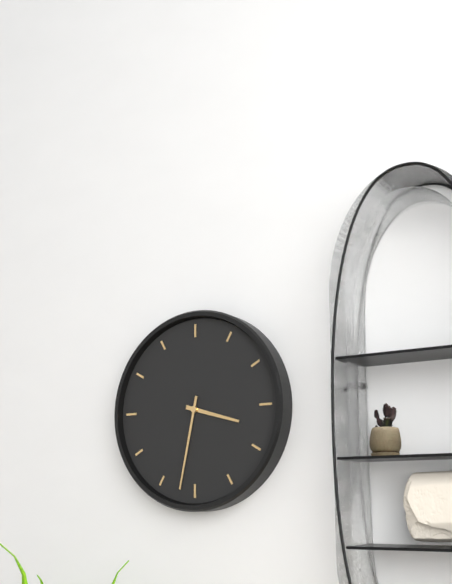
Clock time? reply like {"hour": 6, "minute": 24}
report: {"hour": 3, "minute": 32}
